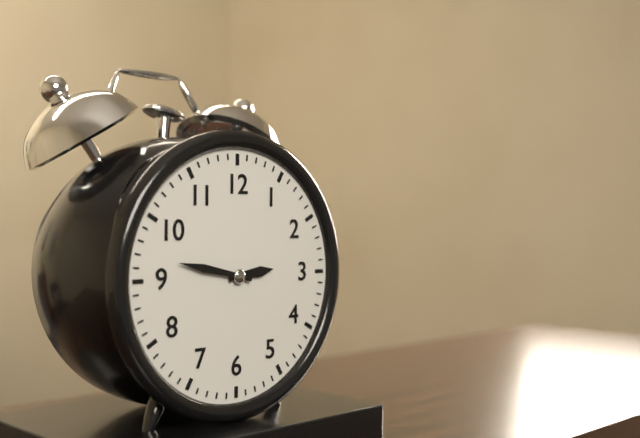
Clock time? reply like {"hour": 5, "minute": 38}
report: {"hour": 2, "minute": 47}
